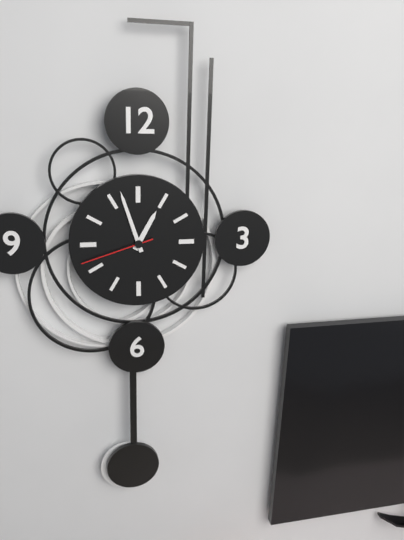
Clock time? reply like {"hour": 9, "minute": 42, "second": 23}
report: {"hour": 12, "minute": 57, "second": 42}
